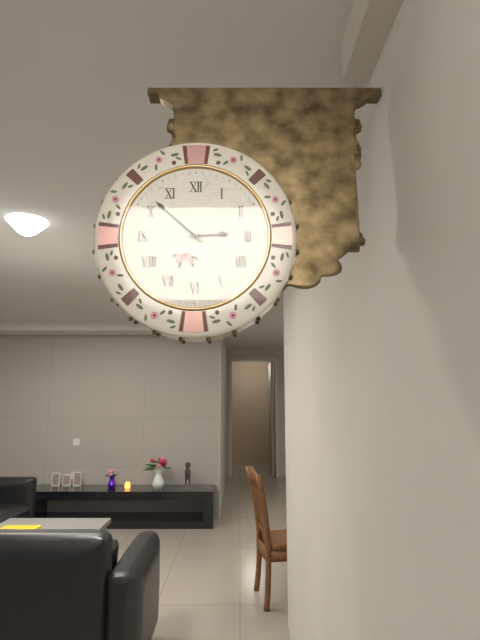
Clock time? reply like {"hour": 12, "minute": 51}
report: {"hour": 2, "minute": 52}
